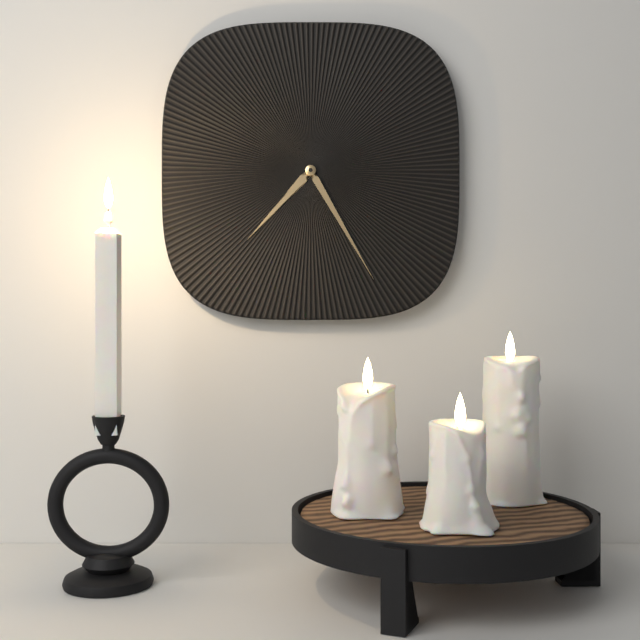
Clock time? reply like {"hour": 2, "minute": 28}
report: {"hour": 7, "minute": 25}
